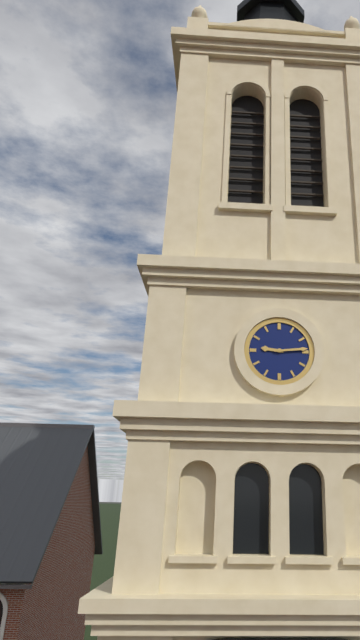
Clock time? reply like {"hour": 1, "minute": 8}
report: {"hour": 9, "minute": 14}
